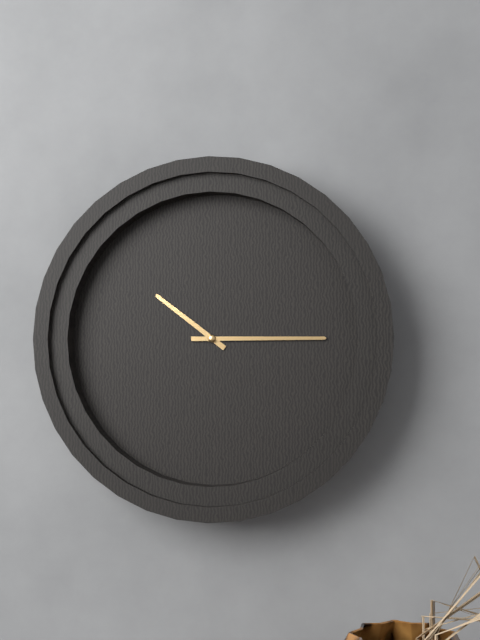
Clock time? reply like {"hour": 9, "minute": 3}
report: {"hour": 10, "minute": 15}
